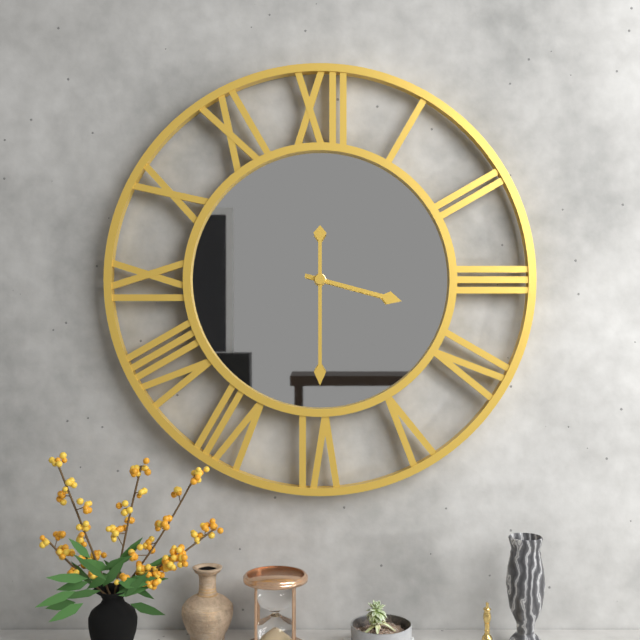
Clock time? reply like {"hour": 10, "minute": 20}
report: {"hour": 3, "minute": 30}
